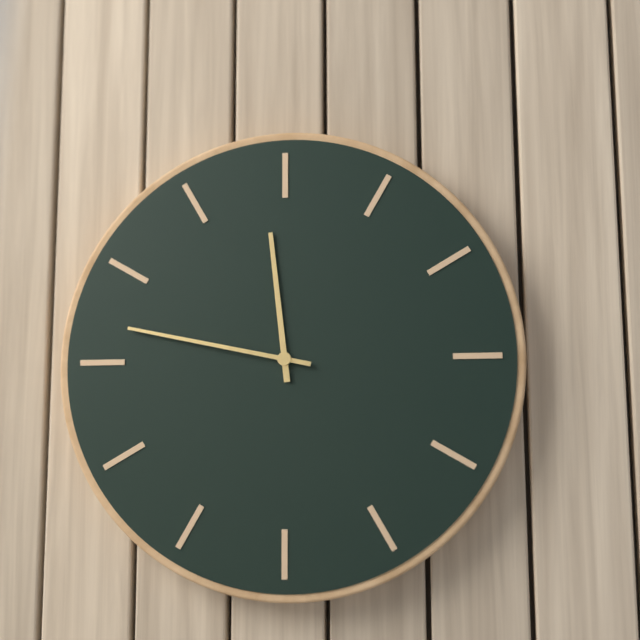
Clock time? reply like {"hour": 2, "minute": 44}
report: {"hour": 11, "minute": 47}
